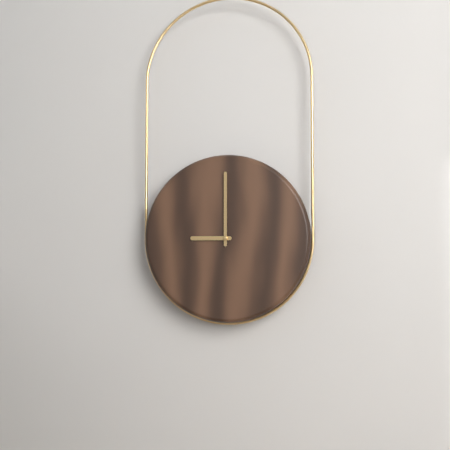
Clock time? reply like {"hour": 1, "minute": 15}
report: {"hour": 9, "minute": 0}
